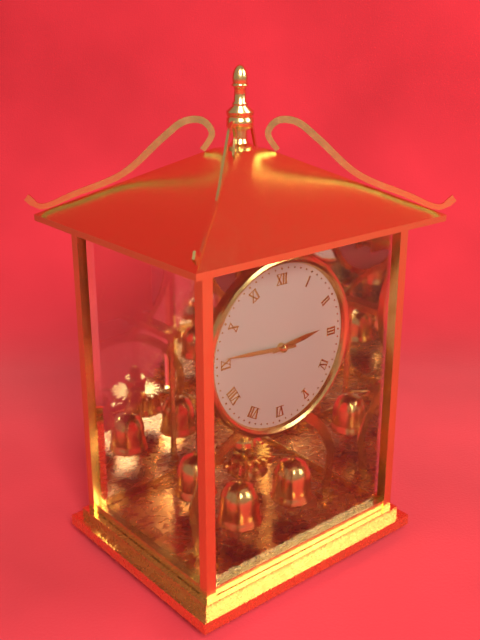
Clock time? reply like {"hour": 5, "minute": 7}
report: {"hour": 2, "minute": 46}
